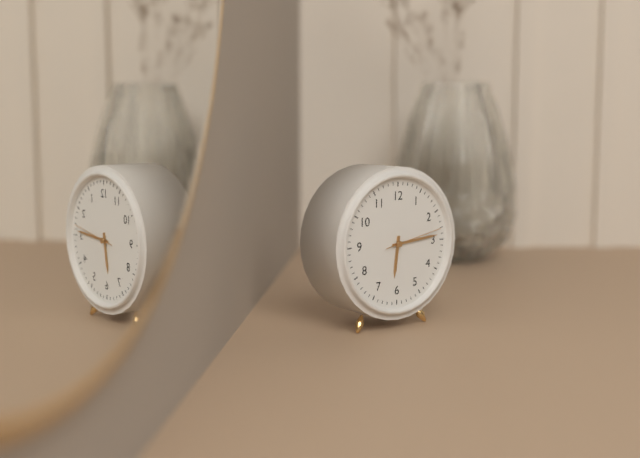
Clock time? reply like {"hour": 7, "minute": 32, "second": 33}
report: {"hour": 6, "minute": 14, "second": 13}
